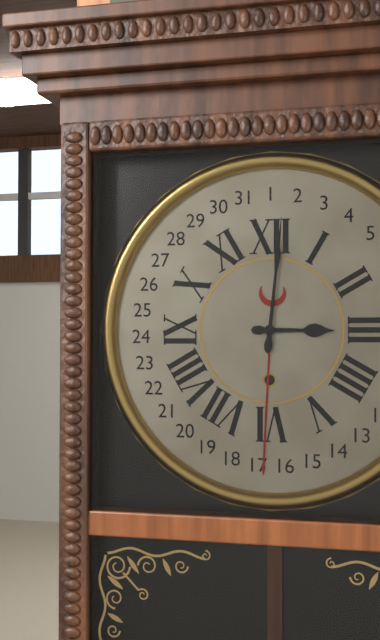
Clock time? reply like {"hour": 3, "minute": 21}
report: {"hour": 3, "minute": 1}
